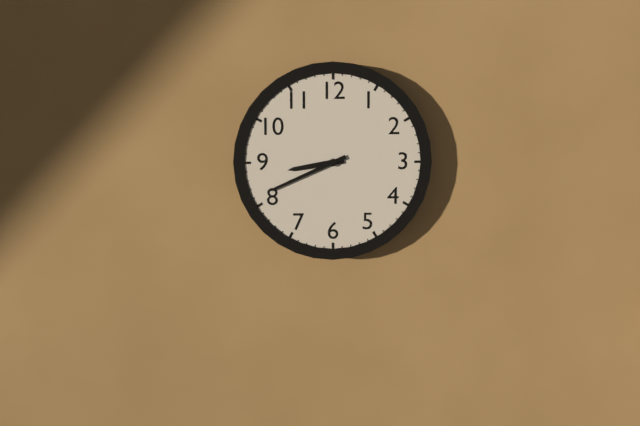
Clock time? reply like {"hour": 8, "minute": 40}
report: {"hour": 8, "minute": 41}
